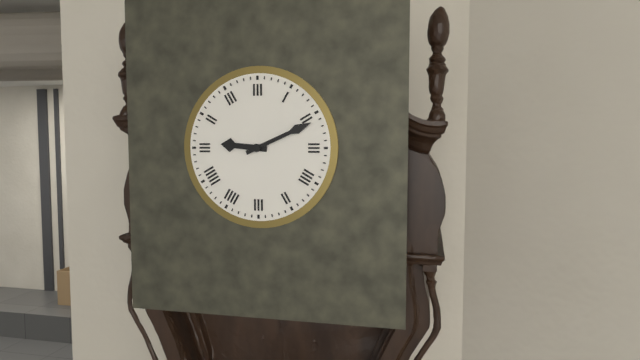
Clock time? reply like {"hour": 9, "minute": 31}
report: {"hour": 9, "minute": 11}
